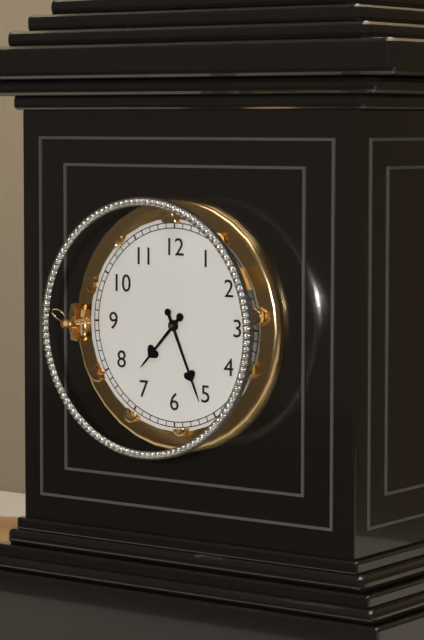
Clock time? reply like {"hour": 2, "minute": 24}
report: {"hour": 7, "minute": 26}
